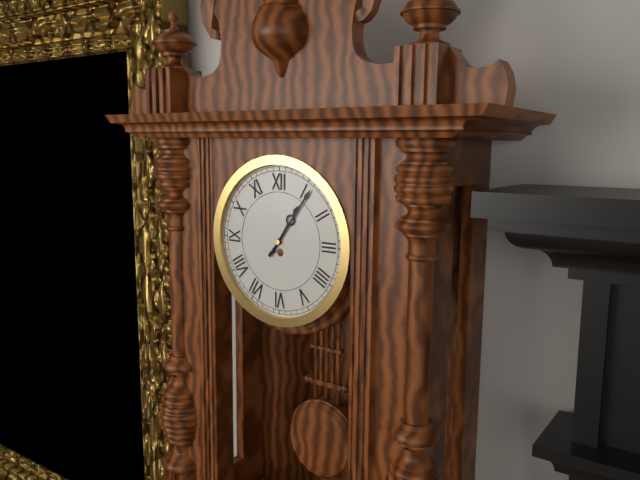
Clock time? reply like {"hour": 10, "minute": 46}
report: {"hour": 1, "minute": 6}
